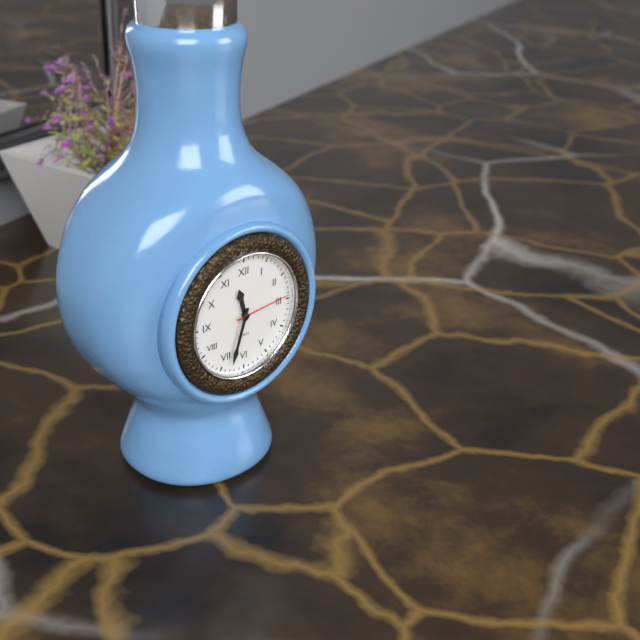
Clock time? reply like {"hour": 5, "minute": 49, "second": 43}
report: {"hour": 11, "minute": 33, "second": 14}
